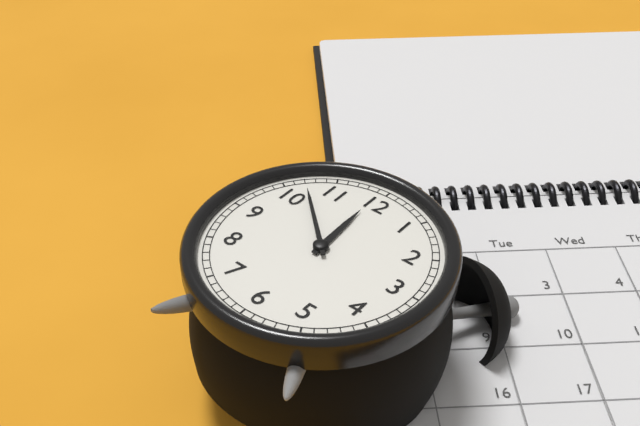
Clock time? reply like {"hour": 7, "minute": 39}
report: {"hour": 11, "minute": 52}
